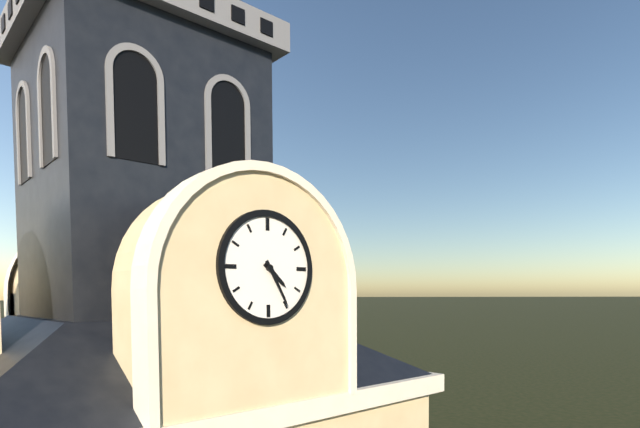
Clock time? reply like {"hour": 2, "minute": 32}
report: {"hour": 4, "minute": 25}
